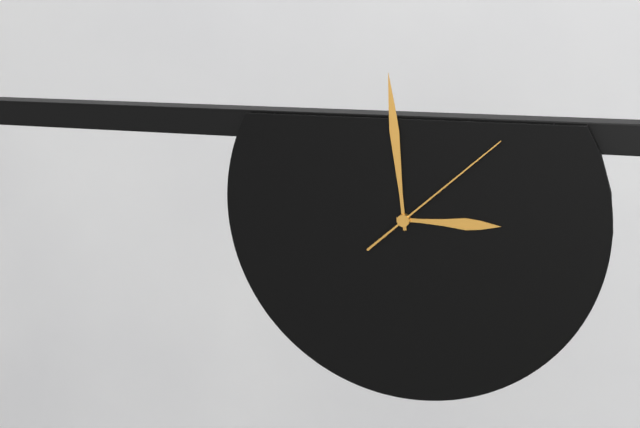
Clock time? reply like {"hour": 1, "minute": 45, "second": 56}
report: {"hour": 2, "minute": 59, "second": 8}
